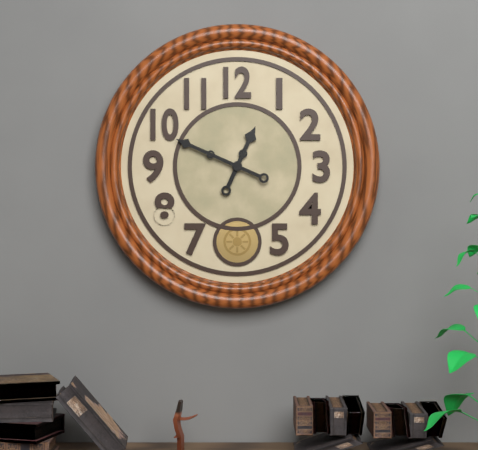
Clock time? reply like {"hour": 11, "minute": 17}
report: {"hour": 12, "minute": 49}
